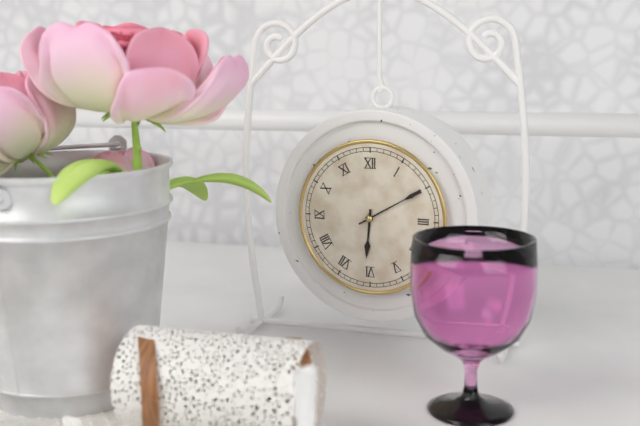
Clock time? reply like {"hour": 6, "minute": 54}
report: {"hour": 6, "minute": 10}
